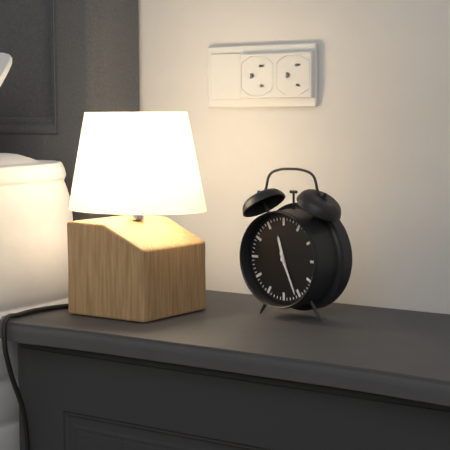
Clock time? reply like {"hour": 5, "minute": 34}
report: {"hour": 11, "minute": 26}
